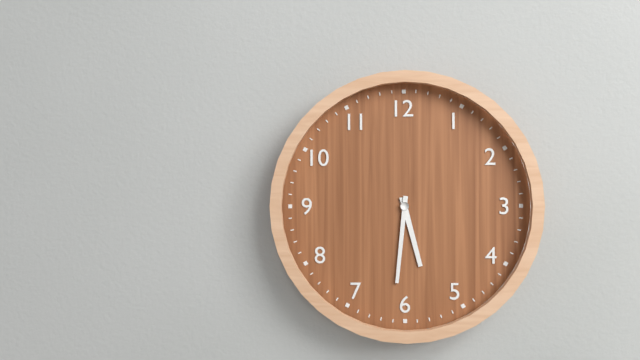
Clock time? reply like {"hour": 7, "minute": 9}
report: {"hour": 5, "minute": 31}
